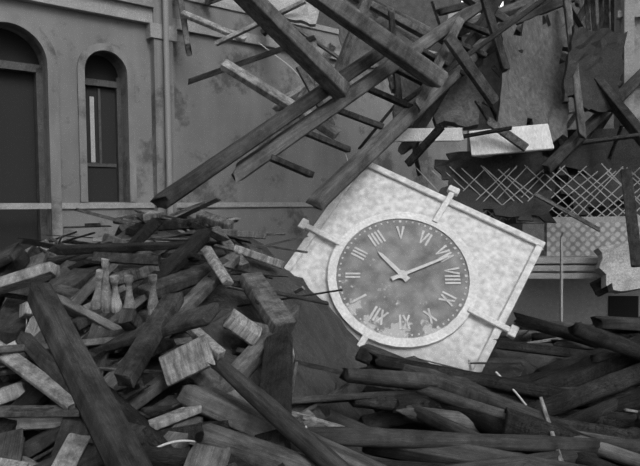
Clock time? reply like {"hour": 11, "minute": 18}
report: {"hour": 3, "minute": 36}
